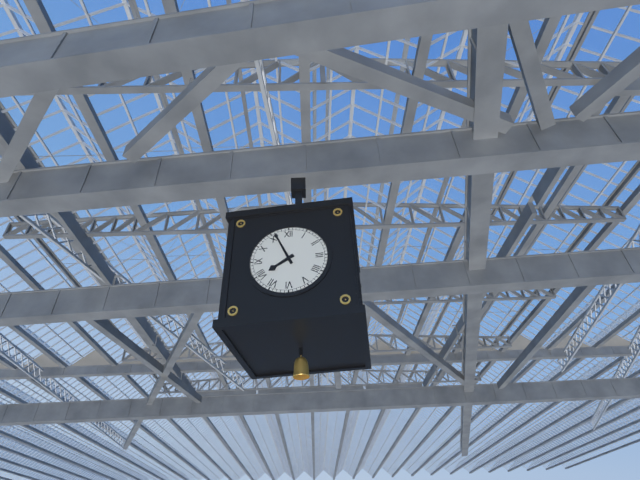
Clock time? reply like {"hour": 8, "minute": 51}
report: {"hour": 7, "minute": 56}
